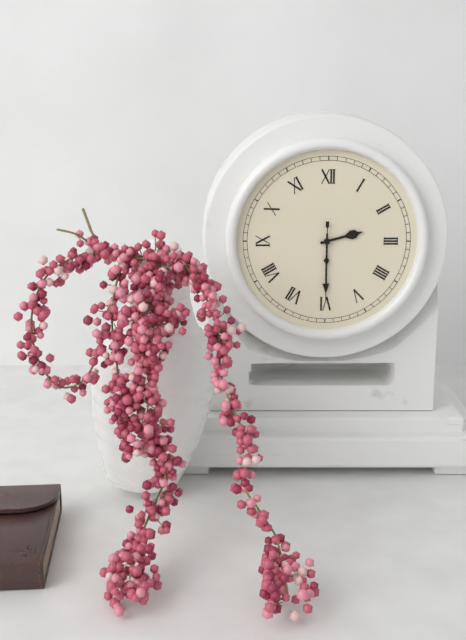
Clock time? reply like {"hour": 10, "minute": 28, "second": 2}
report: {"hour": 2, "minute": 30, "second": 30}
